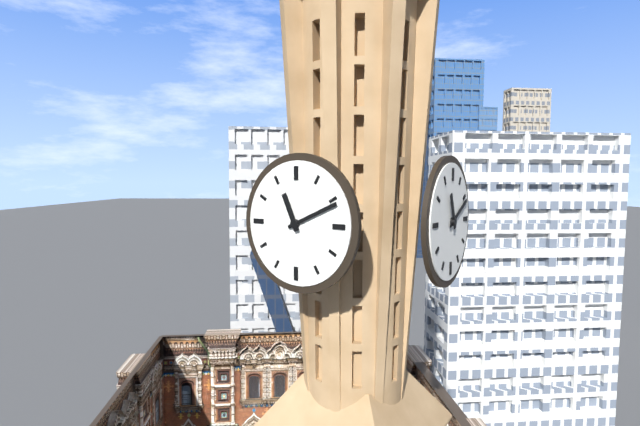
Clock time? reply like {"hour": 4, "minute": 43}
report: {"hour": 11, "minute": 11}
